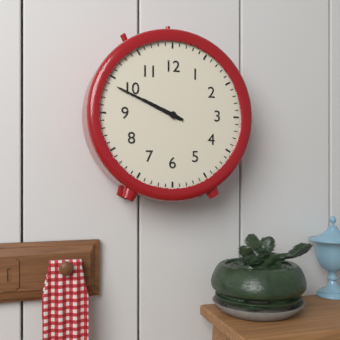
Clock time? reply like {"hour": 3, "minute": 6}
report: {"hour": 9, "minute": 49}
